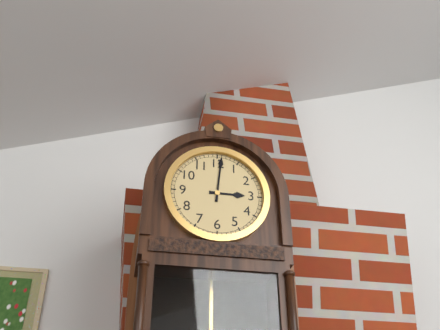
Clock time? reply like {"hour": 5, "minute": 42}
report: {"hour": 3, "minute": 1}
